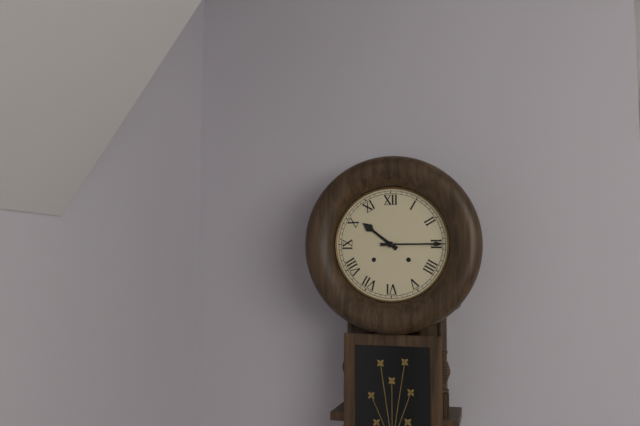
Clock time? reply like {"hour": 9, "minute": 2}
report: {"hour": 10, "minute": 15}
